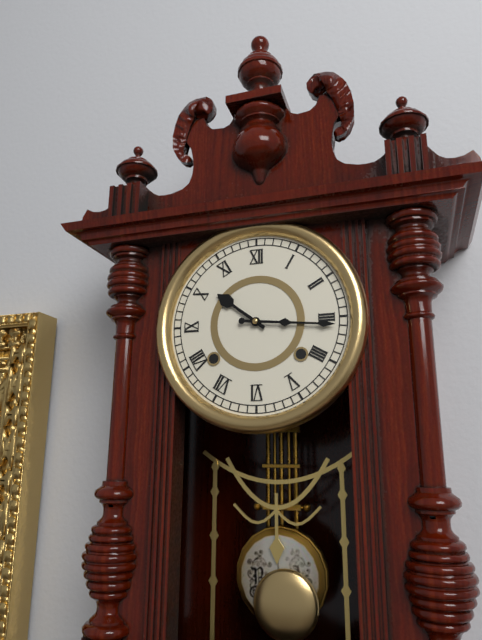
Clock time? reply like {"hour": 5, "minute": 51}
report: {"hour": 10, "minute": 16}
